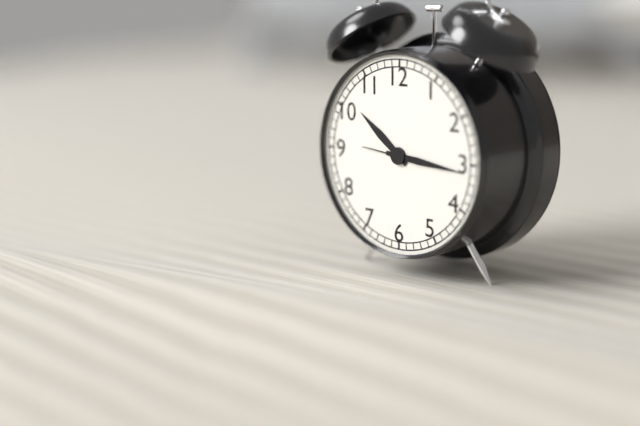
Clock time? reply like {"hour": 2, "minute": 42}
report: {"hour": 10, "minute": 16}
